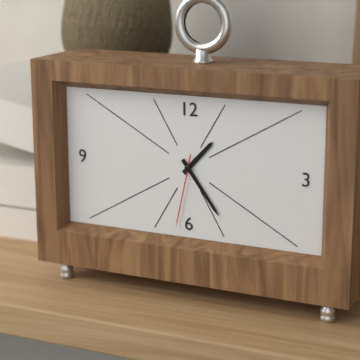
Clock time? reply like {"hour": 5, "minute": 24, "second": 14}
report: {"hour": 1, "minute": 24, "second": 32}
